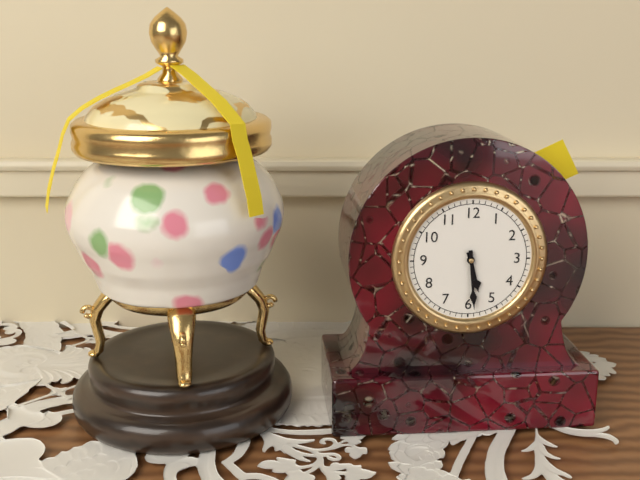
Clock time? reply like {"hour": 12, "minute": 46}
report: {"hour": 5, "minute": 29}
